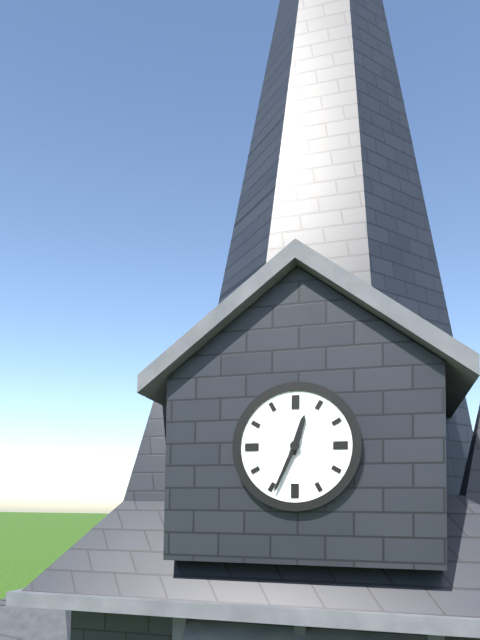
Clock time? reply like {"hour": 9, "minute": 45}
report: {"hour": 12, "minute": 34}
